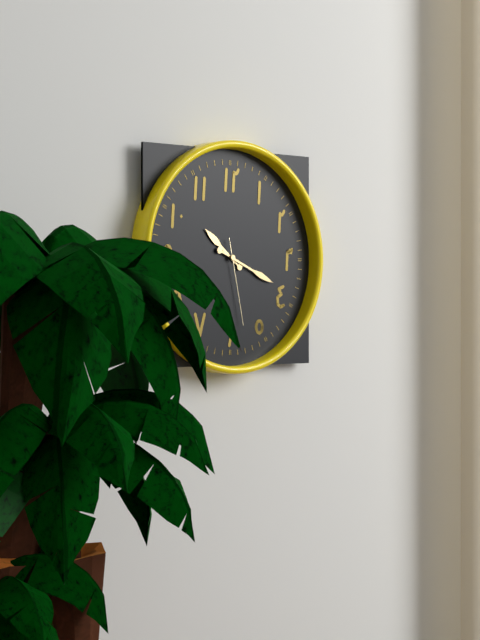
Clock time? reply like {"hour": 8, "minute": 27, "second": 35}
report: {"hour": 10, "minute": 19, "second": 28}
